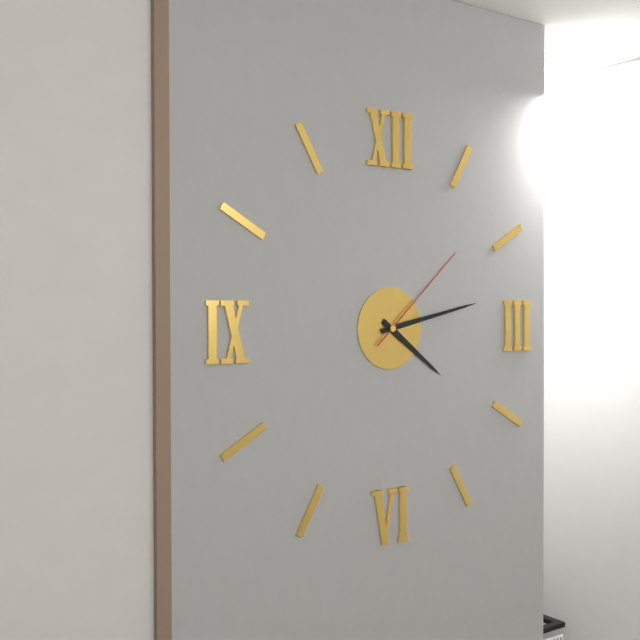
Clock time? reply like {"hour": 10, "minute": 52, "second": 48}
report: {"hour": 4, "minute": 13, "second": 8}
